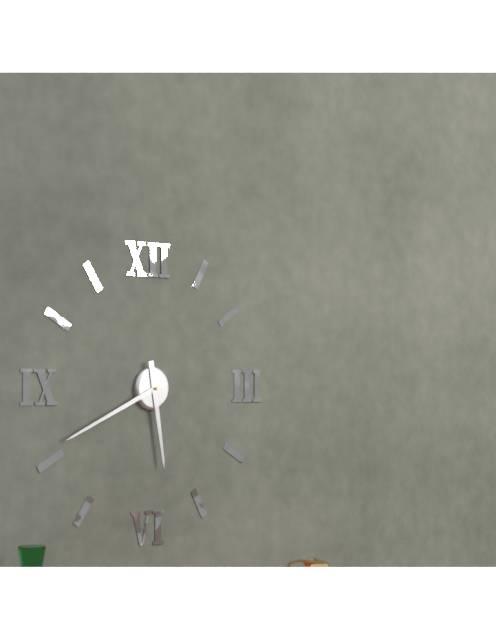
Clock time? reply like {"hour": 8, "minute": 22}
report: {"hour": 5, "minute": 41}
